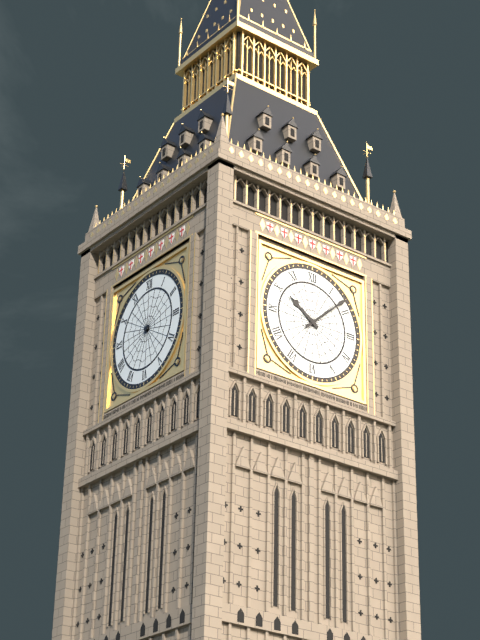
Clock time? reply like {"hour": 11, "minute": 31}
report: {"hour": 10, "minute": 8}
